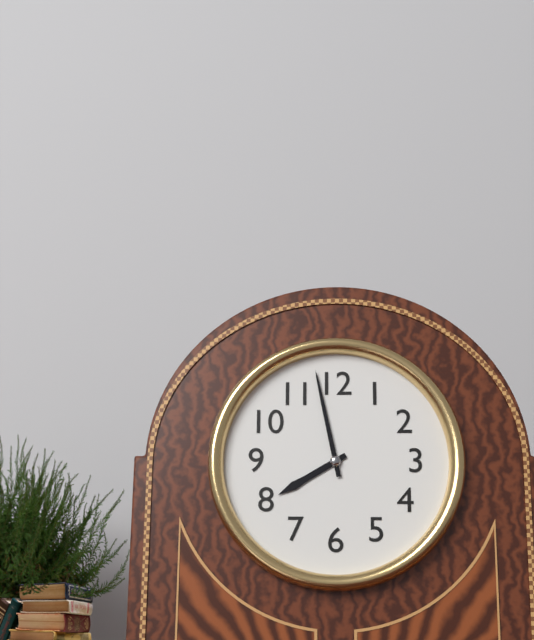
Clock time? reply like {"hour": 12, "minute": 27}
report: {"hour": 7, "minute": 58}
